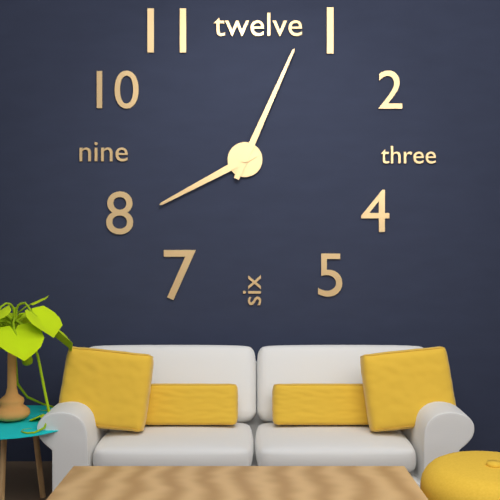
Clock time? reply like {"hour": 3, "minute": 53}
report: {"hour": 8, "minute": 4}
